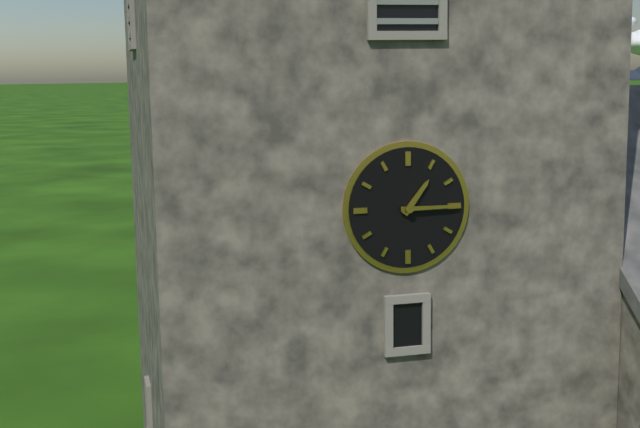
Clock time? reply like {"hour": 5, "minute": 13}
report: {"hour": 1, "minute": 15}
